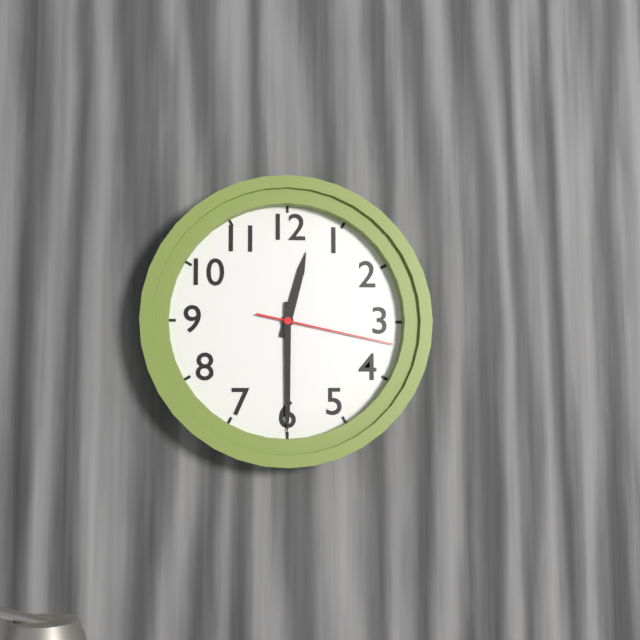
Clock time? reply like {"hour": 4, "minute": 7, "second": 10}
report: {"hour": 12, "minute": 30, "second": 17}
